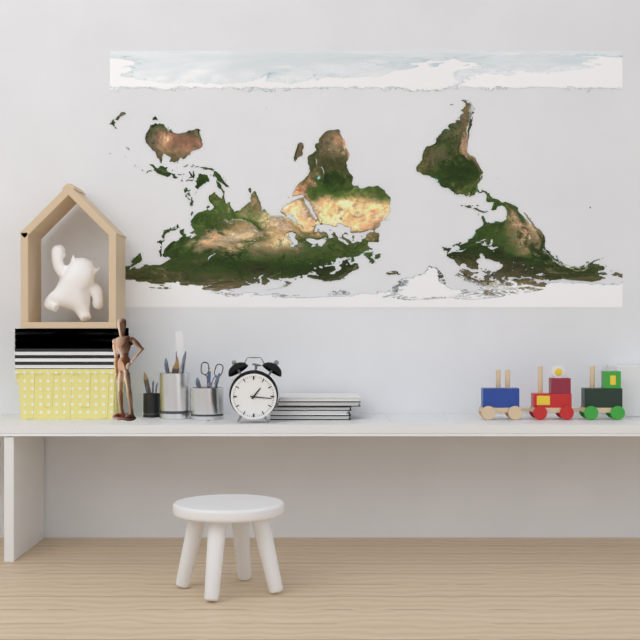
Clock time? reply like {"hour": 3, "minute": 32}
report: {"hour": 1, "minute": 16}
